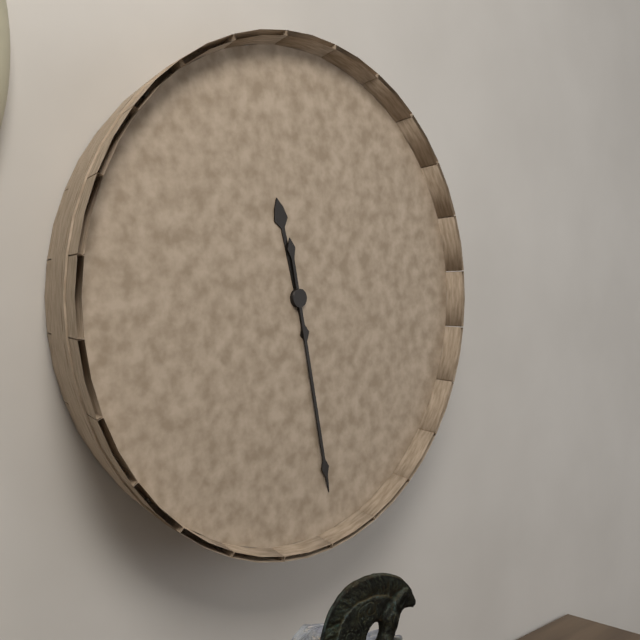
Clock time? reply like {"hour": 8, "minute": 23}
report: {"hour": 11, "minute": 28}
